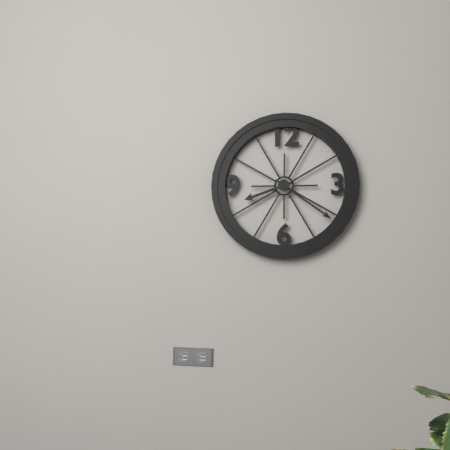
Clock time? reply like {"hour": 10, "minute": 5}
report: {"hour": 8, "minute": 21}
